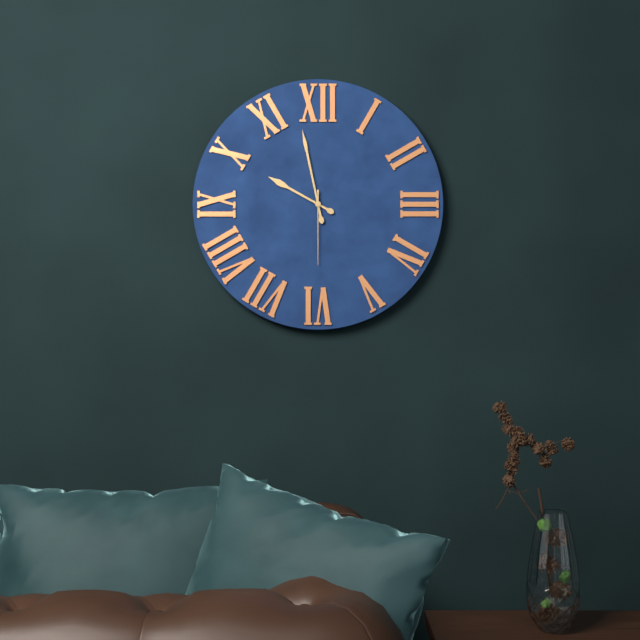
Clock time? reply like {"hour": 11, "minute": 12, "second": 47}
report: {"hour": 9, "minute": 58, "second": 30}
